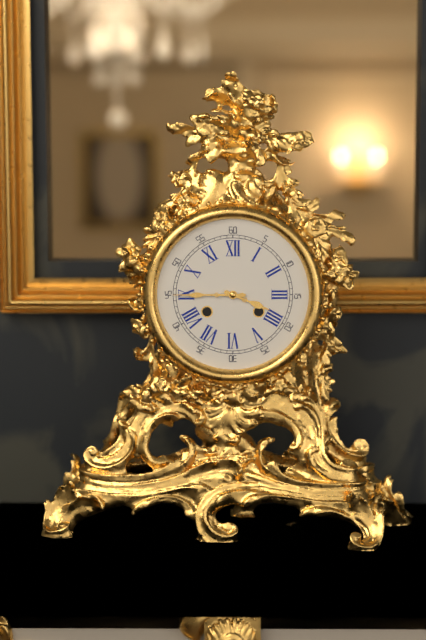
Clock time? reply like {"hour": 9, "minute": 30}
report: {"hour": 3, "minute": 45}
